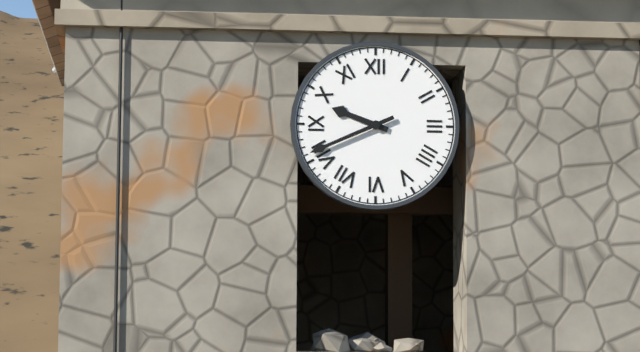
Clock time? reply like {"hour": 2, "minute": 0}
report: {"hour": 9, "minute": 41}
